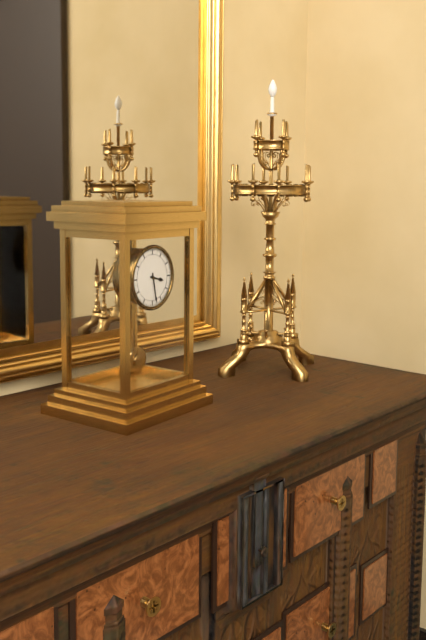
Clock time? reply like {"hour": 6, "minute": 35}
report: {"hour": 3, "minute": 28}
